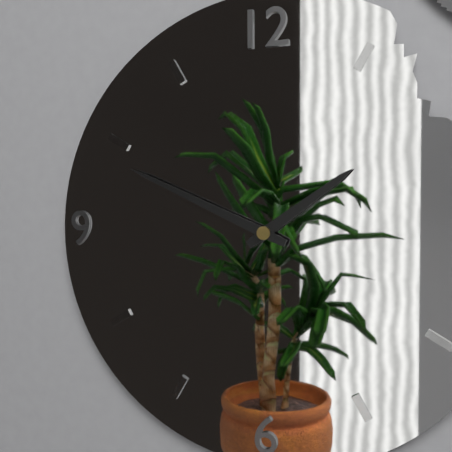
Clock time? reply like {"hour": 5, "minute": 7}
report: {"hour": 1, "minute": 49}
